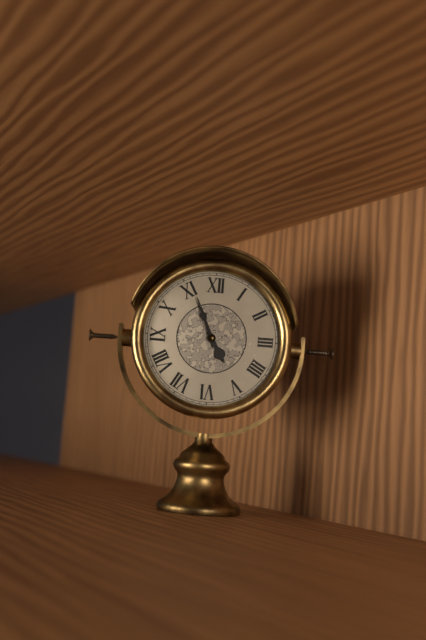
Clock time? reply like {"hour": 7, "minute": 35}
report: {"hour": 4, "minute": 56}
